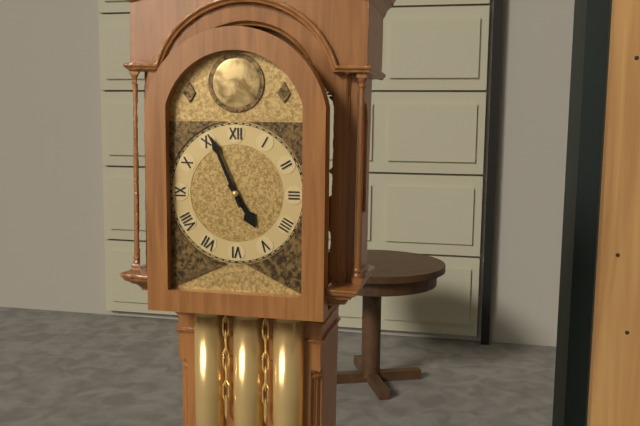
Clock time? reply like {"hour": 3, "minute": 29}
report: {"hour": 4, "minute": 56}
